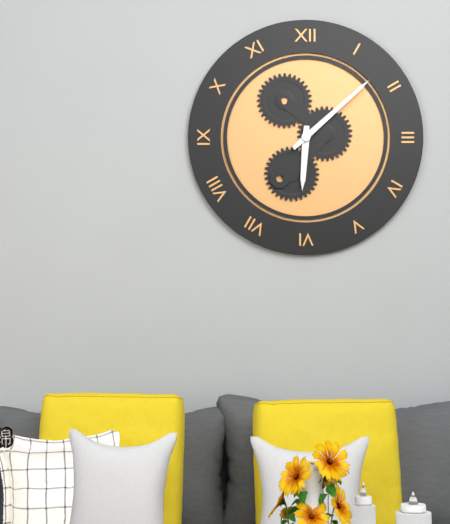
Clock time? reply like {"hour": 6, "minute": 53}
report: {"hour": 6, "minute": 8}
